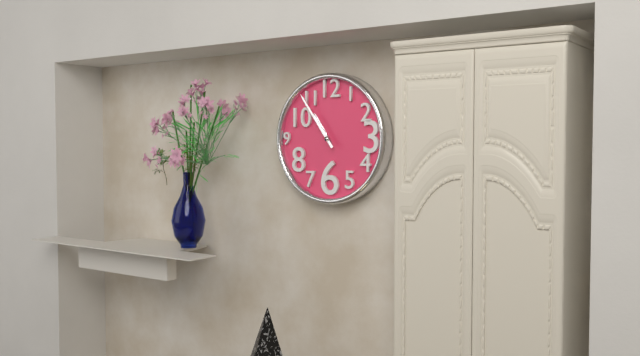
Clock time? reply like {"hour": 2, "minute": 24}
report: {"hour": 10, "minute": 54}
